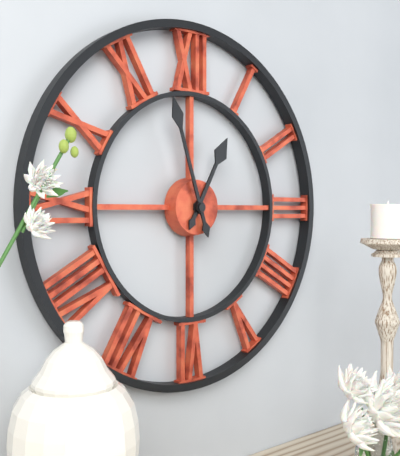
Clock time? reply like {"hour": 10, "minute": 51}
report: {"hour": 12, "minute": 57}
